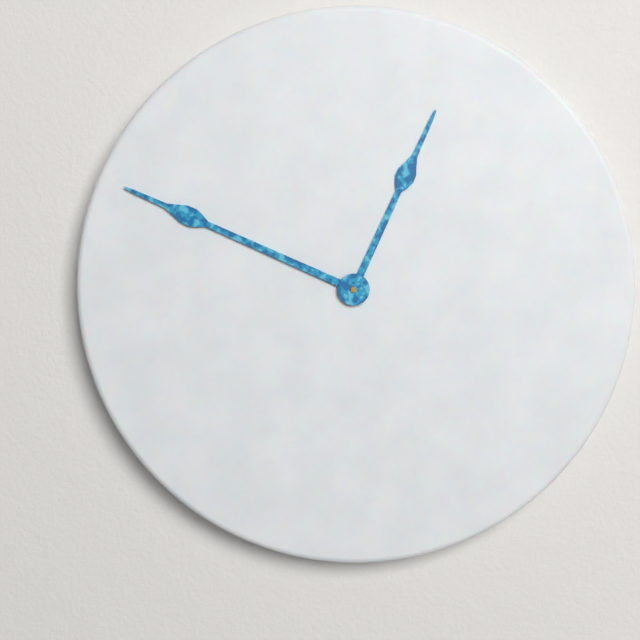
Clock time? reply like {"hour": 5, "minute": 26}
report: {"hour": 12, "minute": 49}
